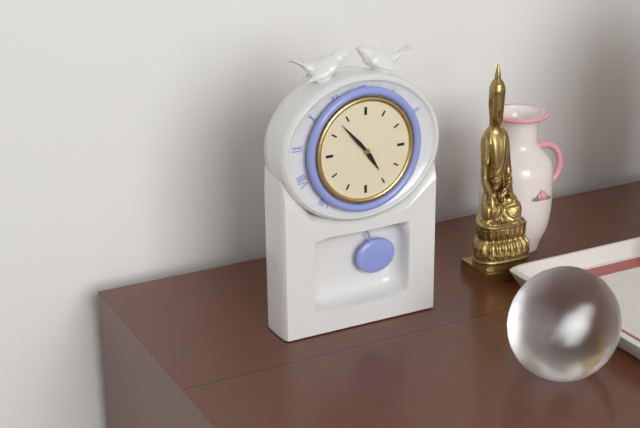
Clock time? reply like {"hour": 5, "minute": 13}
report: {"hour": 4, "minute": 53}
